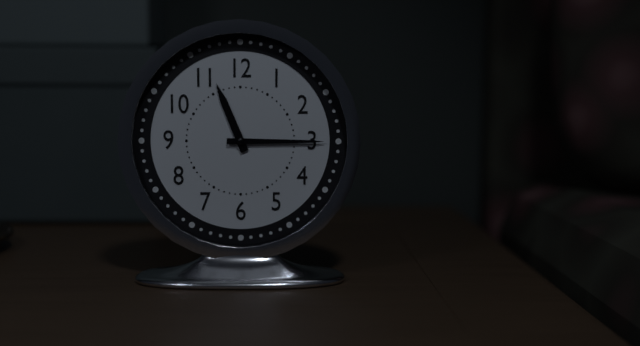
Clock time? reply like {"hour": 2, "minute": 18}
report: {"hour": 11, "minute": 15}
